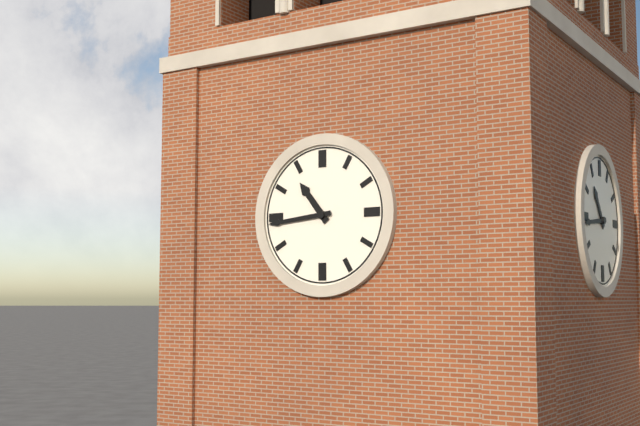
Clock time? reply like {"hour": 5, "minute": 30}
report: {"hour": 10, "minute": 44}
